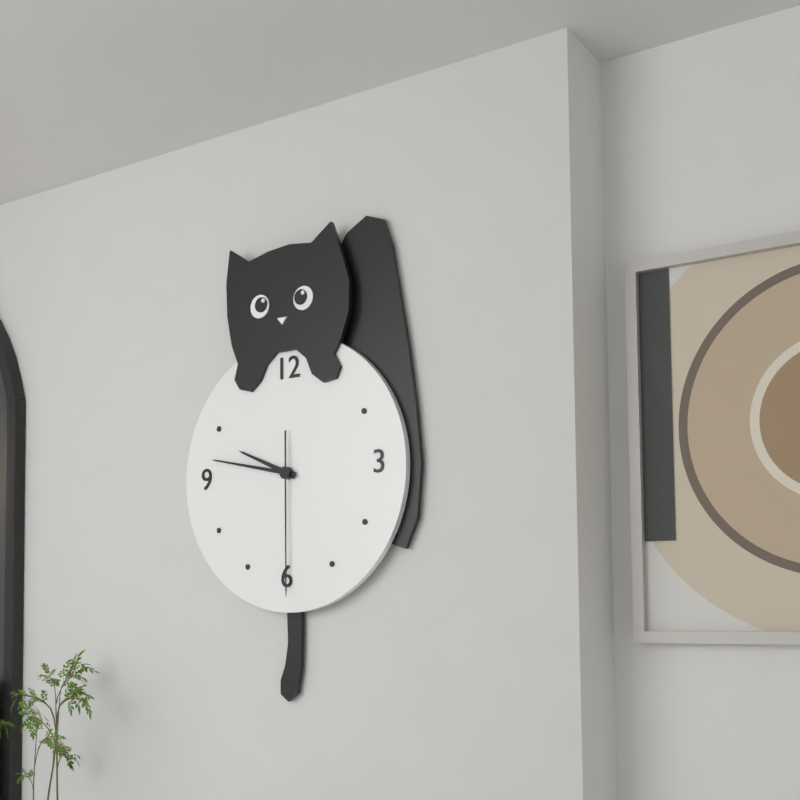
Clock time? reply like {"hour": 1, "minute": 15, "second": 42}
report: {"hour": 9, "minute": 47, "second": 30}
